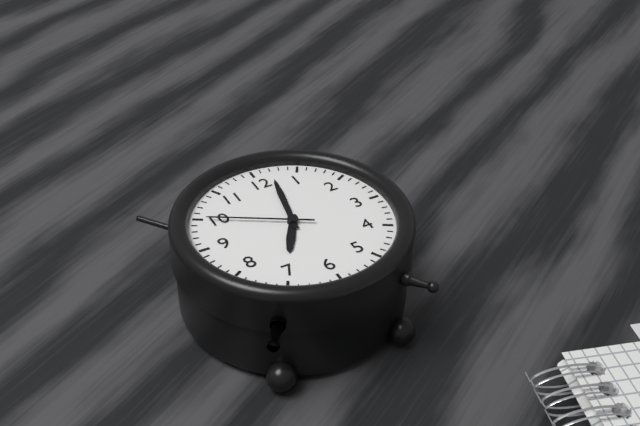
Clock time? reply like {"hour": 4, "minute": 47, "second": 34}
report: {"hour": 7, "minute": 2, "second": 50}
